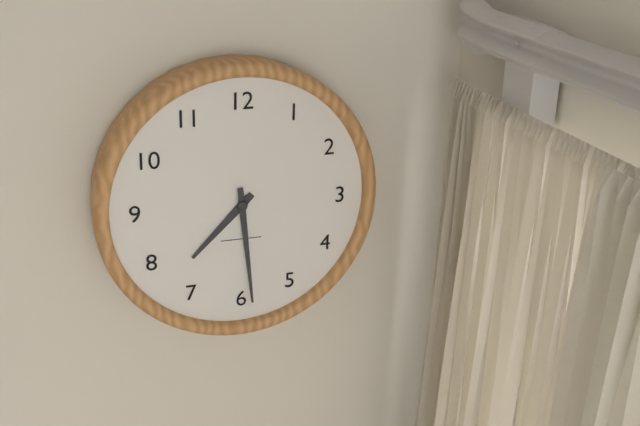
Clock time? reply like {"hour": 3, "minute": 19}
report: {"hour": 7, "minute": 29}
